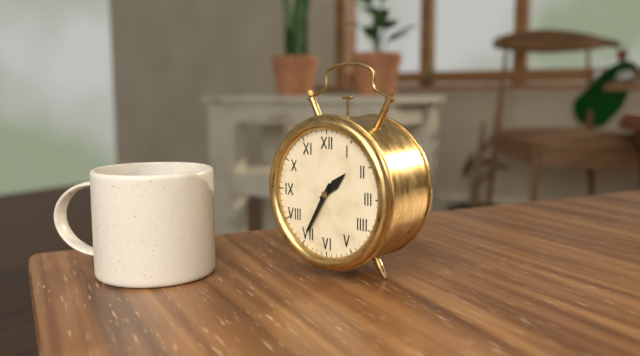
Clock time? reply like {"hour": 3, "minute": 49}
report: {"hour": 1, "minute": 35}
